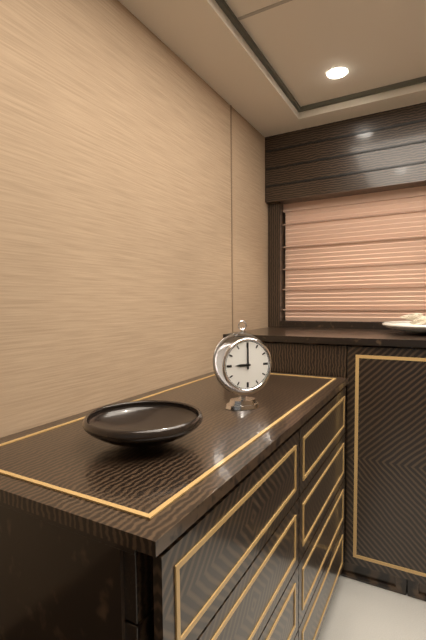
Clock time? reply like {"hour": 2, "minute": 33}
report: {"hour": 9, "minute": 0}
